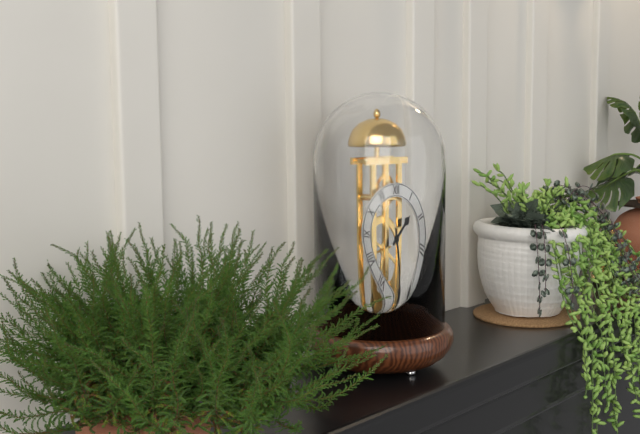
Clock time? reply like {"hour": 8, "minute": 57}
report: {"hour": 1, "minute": 28}
